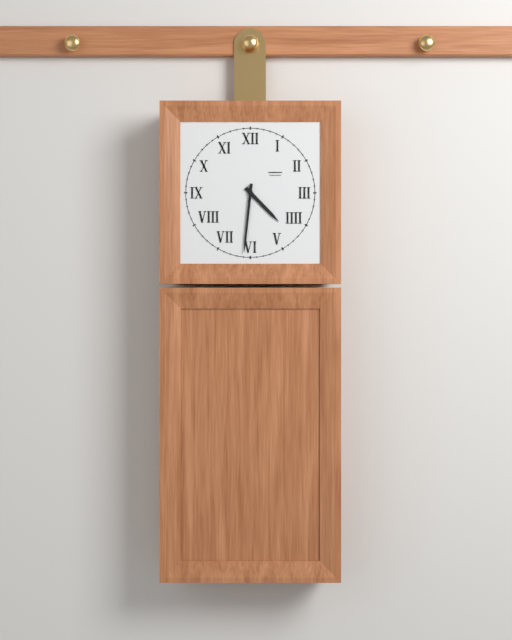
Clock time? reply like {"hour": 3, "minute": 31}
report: {"hour": 4, "minute": 31}
